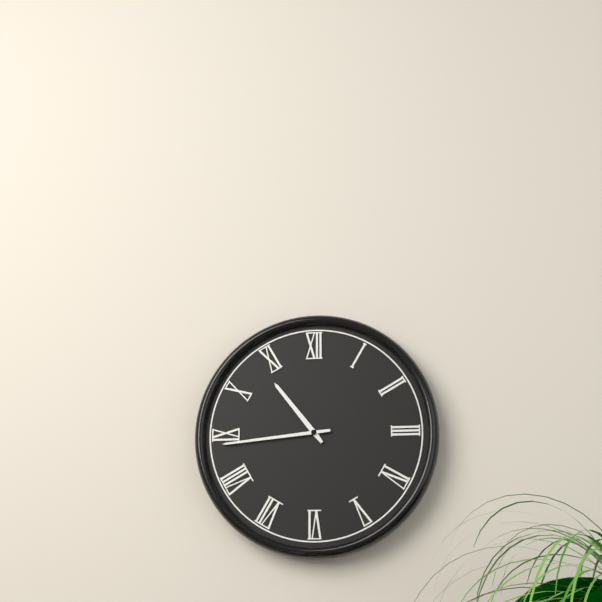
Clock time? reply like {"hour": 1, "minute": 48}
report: {"hour": 10, "minute": 44}
